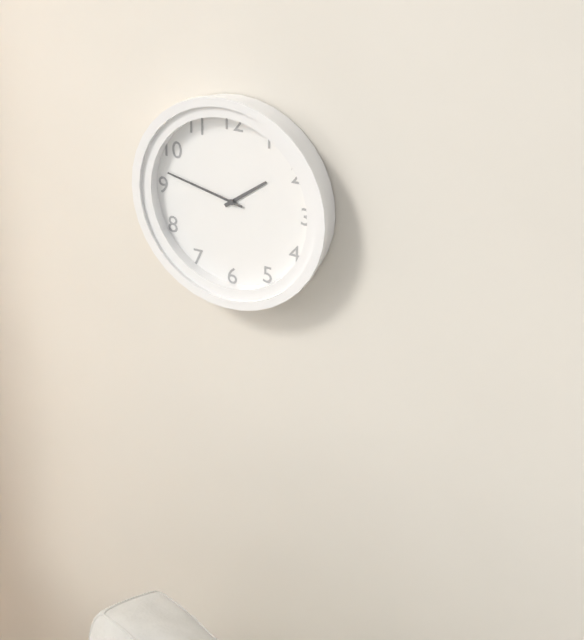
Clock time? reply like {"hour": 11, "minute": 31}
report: {"hour": 1, "minute": 47}
